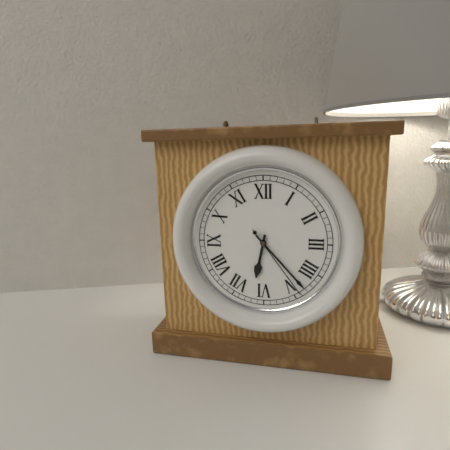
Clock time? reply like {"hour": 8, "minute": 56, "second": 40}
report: {"hour": 6, "minute": 23, "second": 24}
